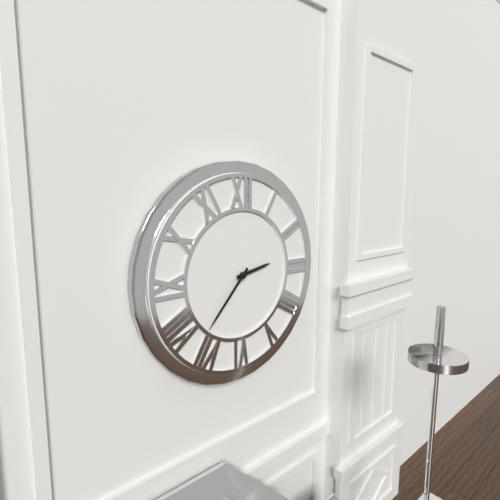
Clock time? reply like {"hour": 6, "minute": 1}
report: {"hour": 2, "minute": 37}
